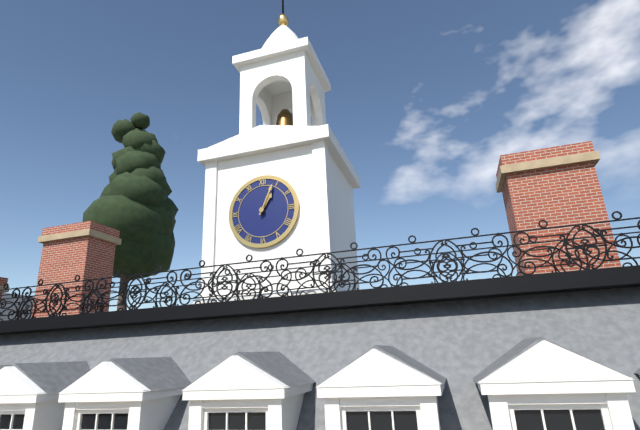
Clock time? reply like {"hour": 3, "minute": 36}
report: {"hour": 1, "minute": 4}
